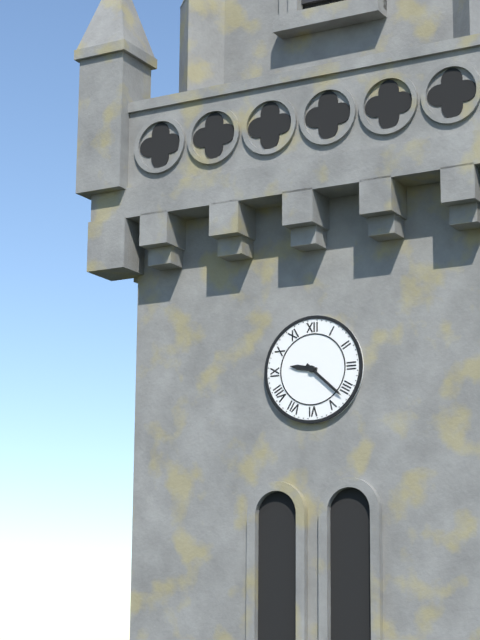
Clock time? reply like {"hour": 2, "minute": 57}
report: {"hour": 9, "minute": 22}
